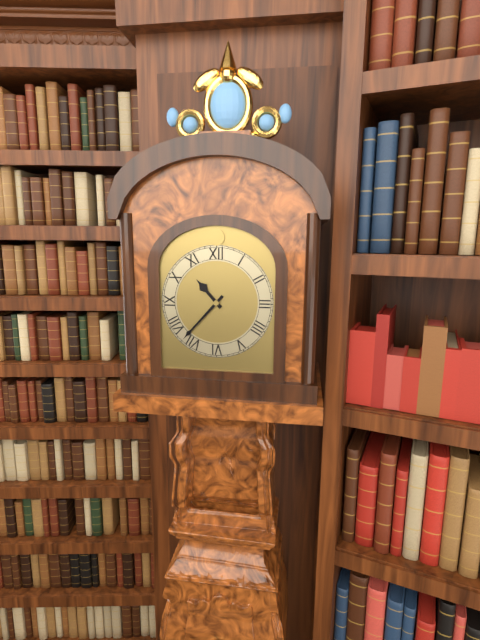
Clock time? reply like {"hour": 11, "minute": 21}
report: {"hour": 10, "minute": 37}
